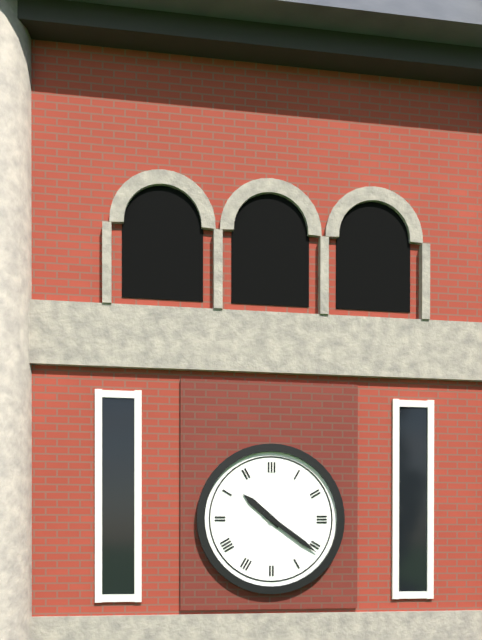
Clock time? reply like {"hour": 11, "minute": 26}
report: {"hour": 10, "minute": 21}
